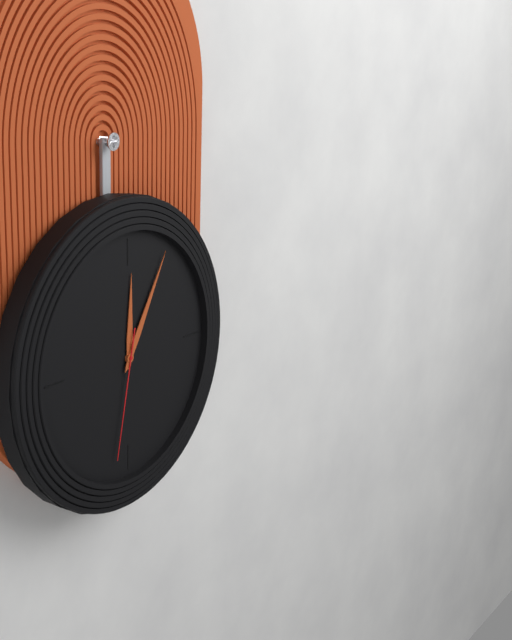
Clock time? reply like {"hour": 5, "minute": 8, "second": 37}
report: {"hour": 12, "minute": 5, "second": 32}
